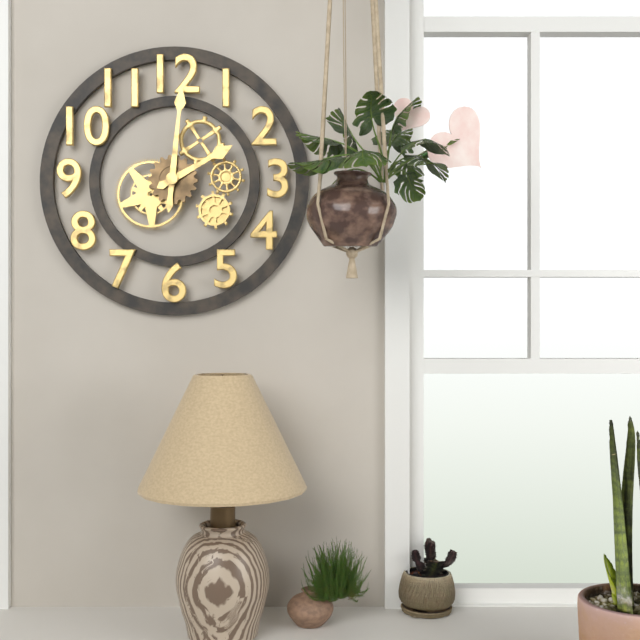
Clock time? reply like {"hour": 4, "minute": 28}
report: {"hour": 2, "minute": 1}
